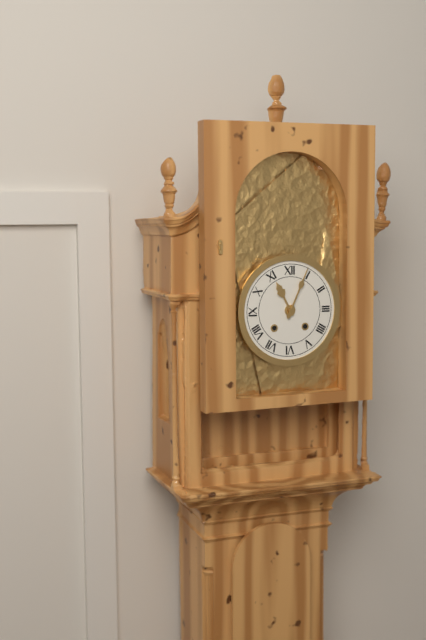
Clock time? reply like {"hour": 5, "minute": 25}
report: {"hour": 11, "minute": 4}
